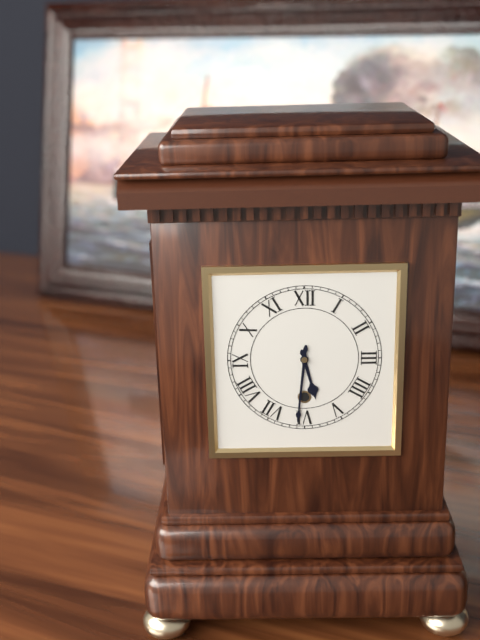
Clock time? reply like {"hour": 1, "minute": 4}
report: {"hour": 5, "minute": 31}
